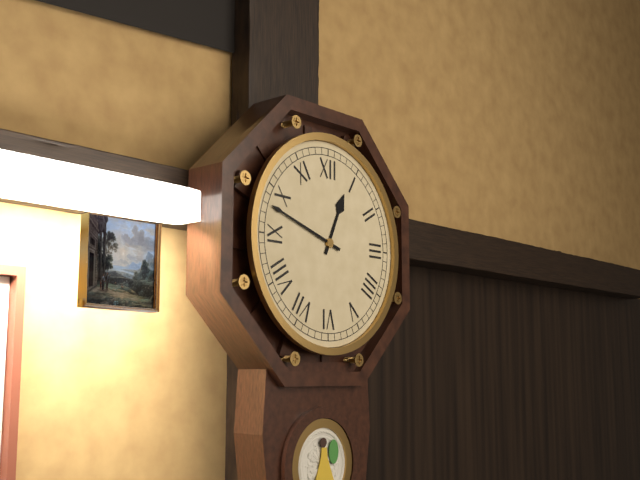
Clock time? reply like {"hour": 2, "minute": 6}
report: {"hour": 12, "minute": 48}
